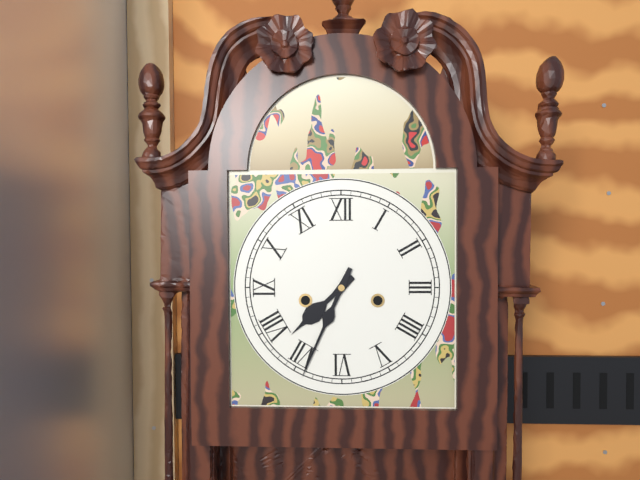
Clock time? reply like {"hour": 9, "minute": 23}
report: {"hour": 7, "minute": 34}
